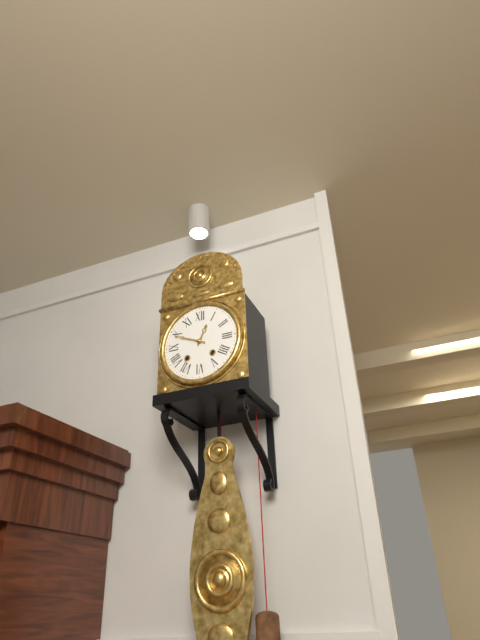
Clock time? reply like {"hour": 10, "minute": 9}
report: {"hour": 12, "minute": 49}
